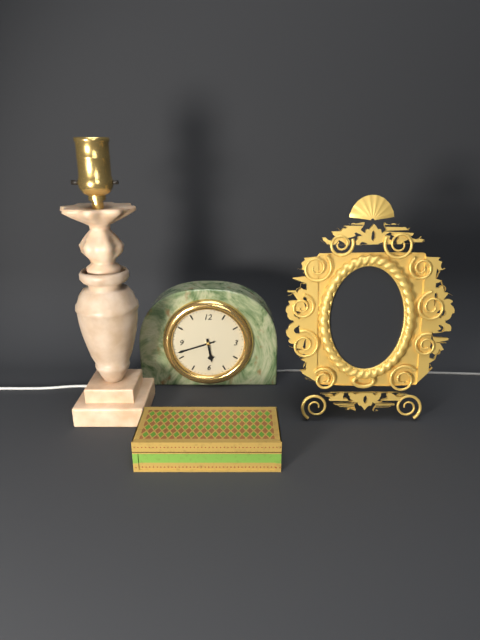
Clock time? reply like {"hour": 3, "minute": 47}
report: {"hour": 5, "minute": 42}
